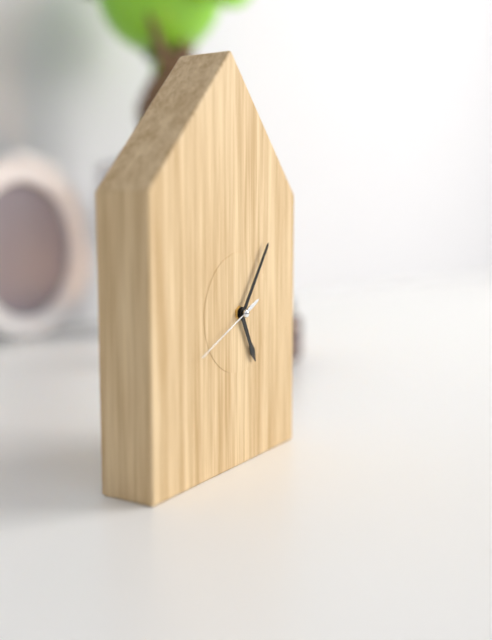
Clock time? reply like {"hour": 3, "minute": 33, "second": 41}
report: {"hour": 5, "minute": 6, "second": 41}
